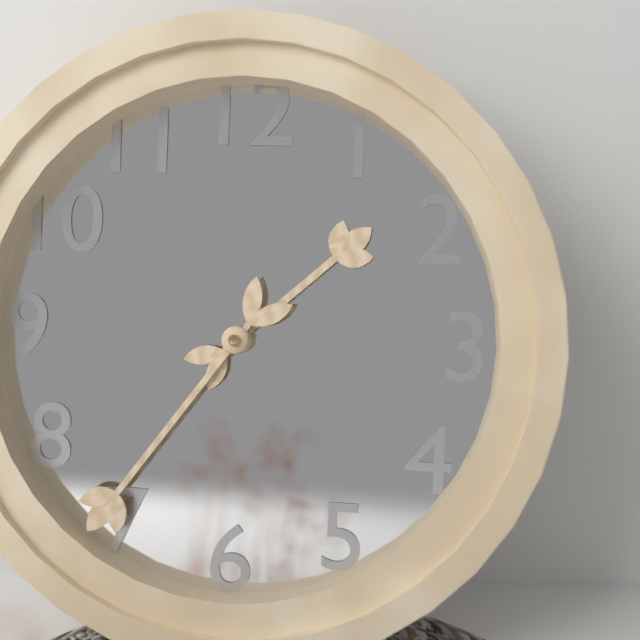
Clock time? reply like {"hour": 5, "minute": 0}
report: {"hour": 1, "minute": 36}
